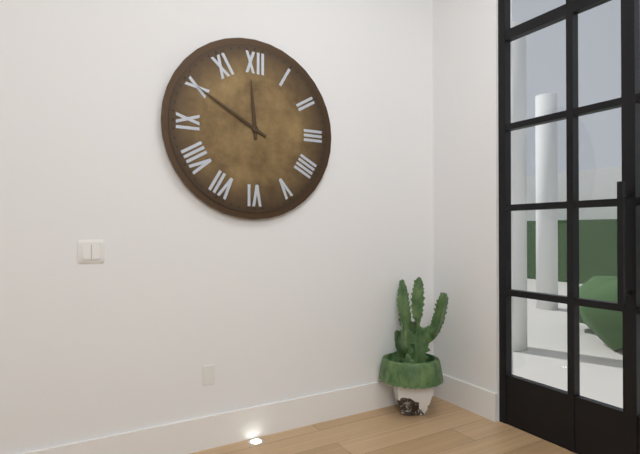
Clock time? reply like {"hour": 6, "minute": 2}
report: {"hour": 11, "minute": 50}
